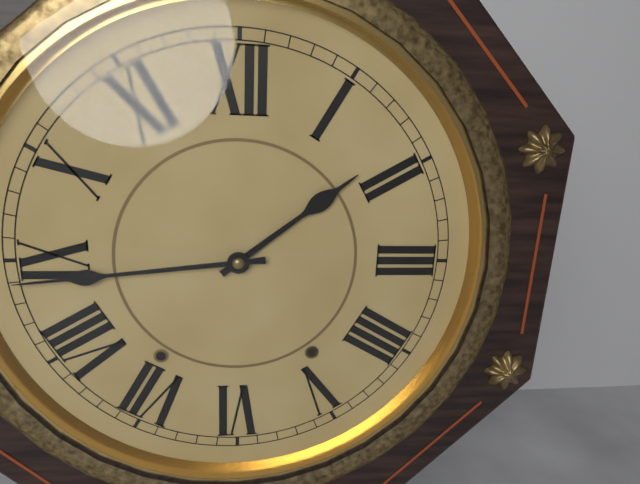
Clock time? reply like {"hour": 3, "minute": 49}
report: {"hour": 1, "minute": 44}
